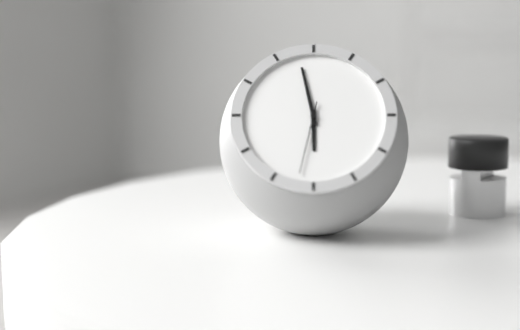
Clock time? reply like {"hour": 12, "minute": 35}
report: {"hour": 5, "minute": 58}
